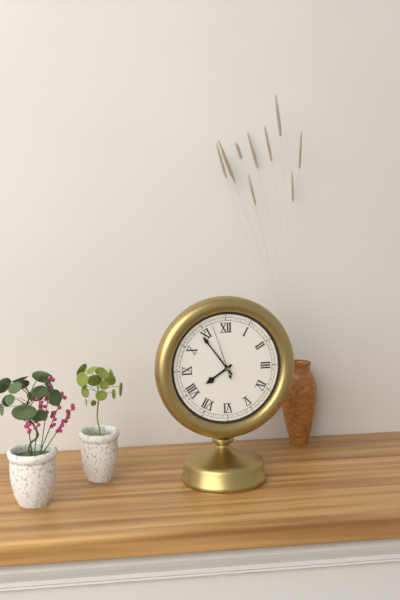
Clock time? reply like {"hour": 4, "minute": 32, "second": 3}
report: {"hour": 7, "minute": 54, "second": 57}
